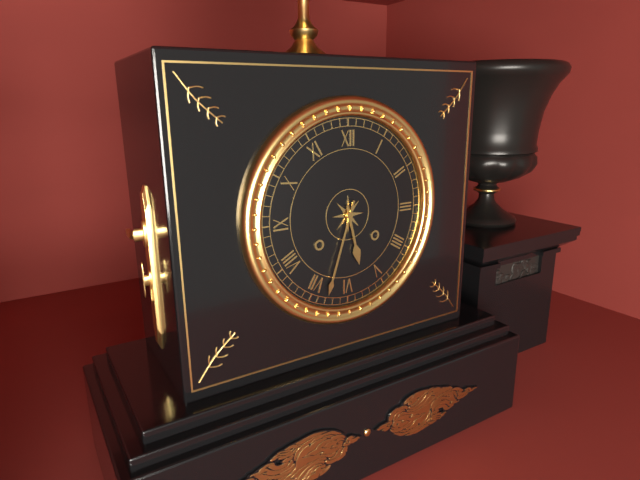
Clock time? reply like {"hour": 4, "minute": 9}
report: {"hour": 5, "minute": 33}
